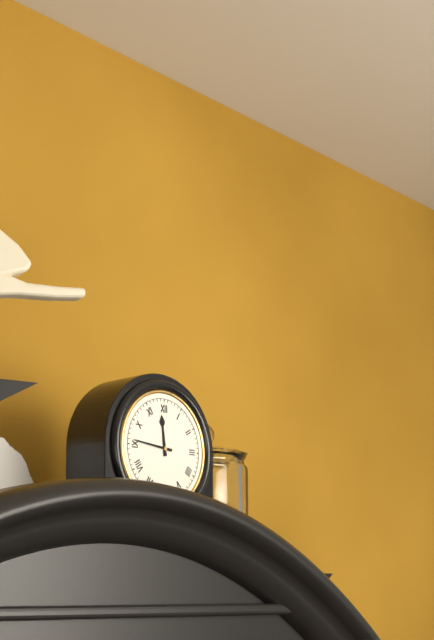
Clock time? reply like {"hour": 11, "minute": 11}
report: {"hour": 11, "minute": 46}
